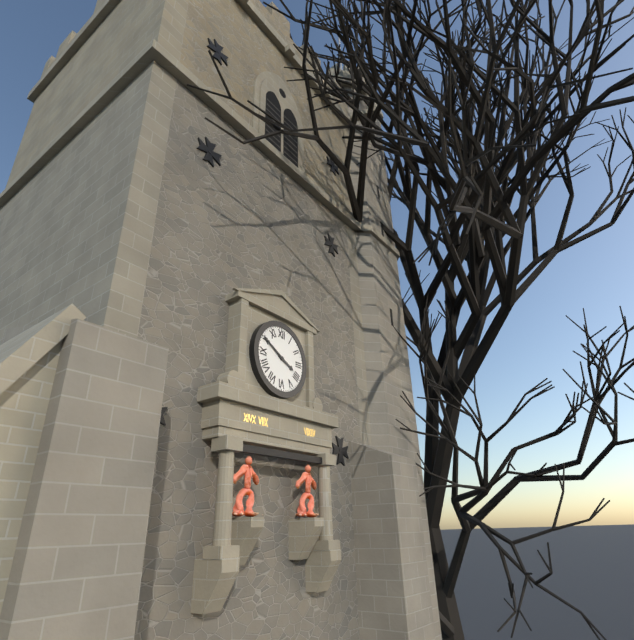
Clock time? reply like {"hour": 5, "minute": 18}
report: {"hour": 3, "minute": 50}
